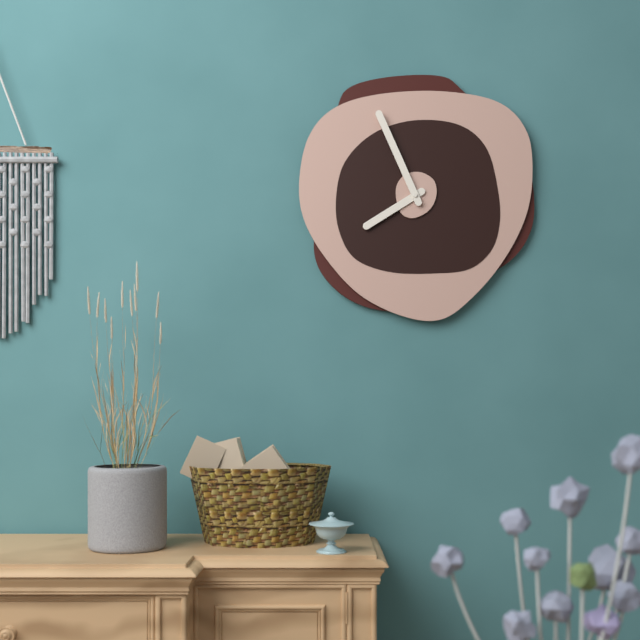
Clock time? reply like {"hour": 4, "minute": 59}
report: {"hour": 7, "minute": 56}
